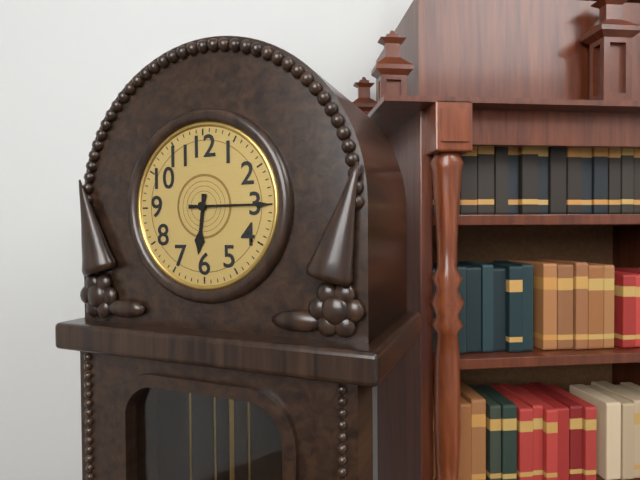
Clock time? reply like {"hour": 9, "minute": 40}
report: {"hour": 6, "minute": 15}
